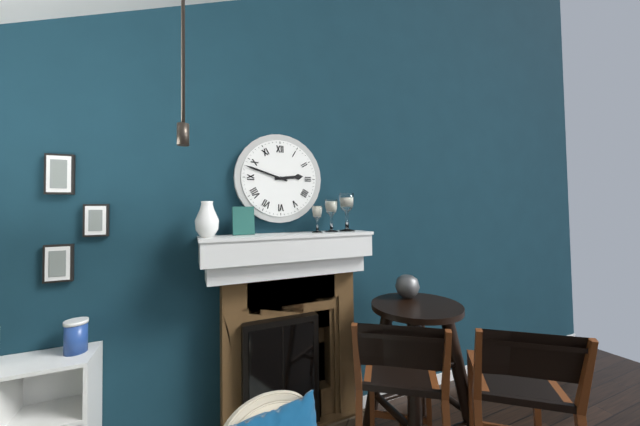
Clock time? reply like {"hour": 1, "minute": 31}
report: {"hour": 2, "minute": 48}
